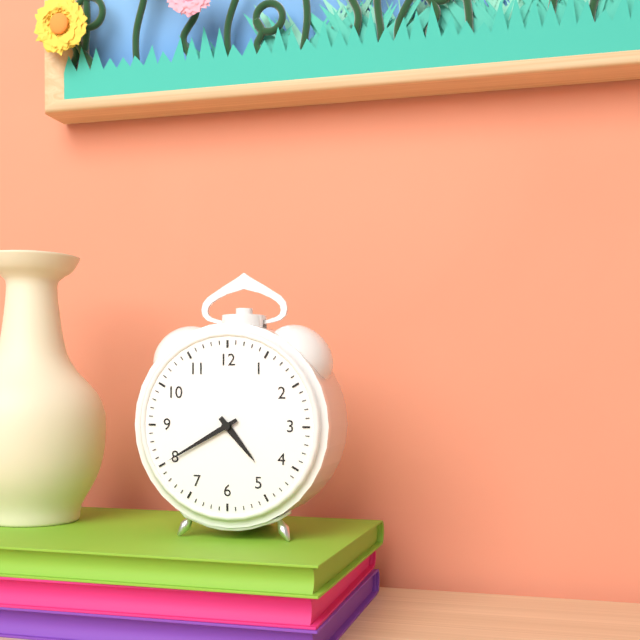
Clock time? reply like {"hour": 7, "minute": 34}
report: {"hour": 4, "minute": 40}
